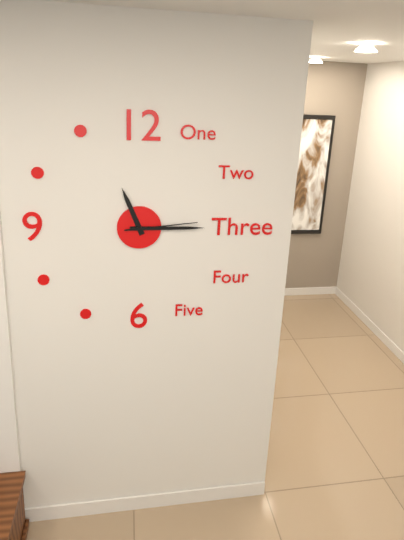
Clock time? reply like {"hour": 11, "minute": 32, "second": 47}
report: {"hour": 11, "minute": 15, "second": 14}
